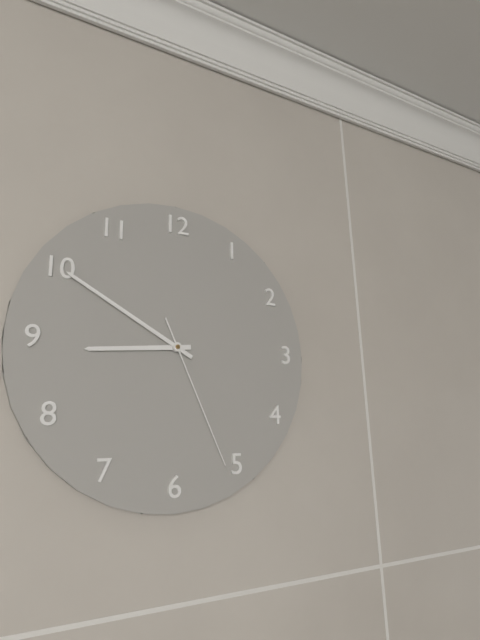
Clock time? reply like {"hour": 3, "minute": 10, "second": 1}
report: {"hour": 8, "minute": 50, "second": 26}
